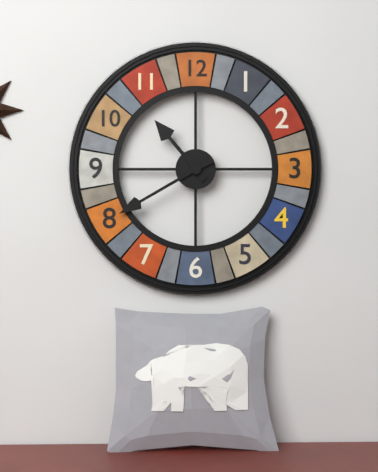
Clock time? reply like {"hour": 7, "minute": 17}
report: {"hour": 10, "minute": 40}
